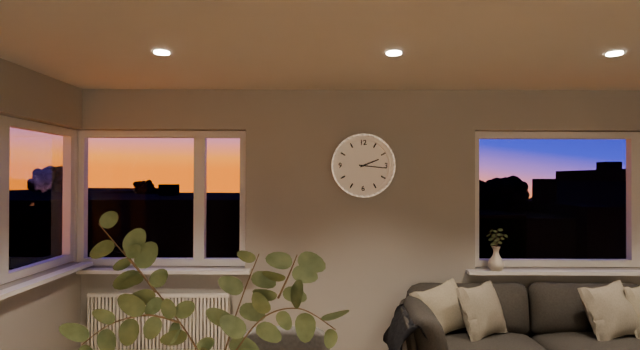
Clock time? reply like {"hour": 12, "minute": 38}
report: {"hour": 2, "minute": 16}
